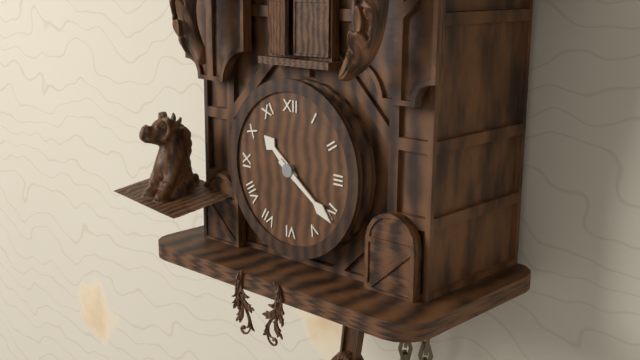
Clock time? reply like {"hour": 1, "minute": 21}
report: {"hour": 10, "minute": 21}
